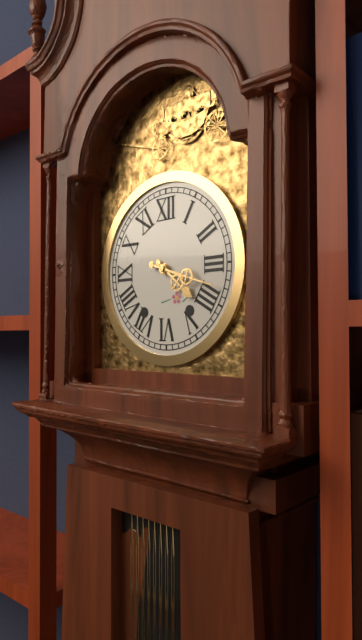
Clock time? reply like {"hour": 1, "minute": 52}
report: {"hour": 4, "minute": 18}
